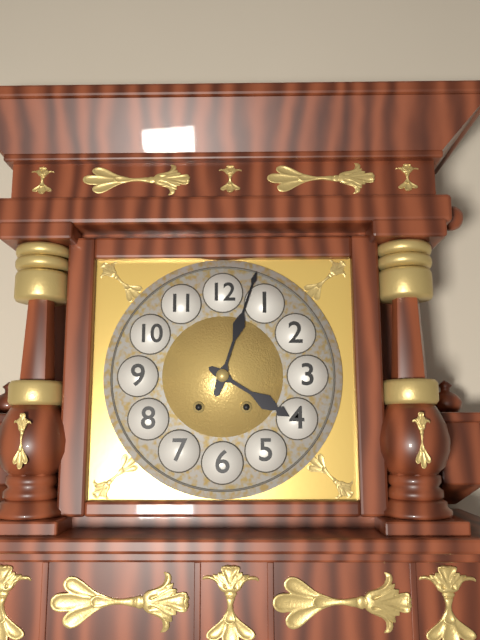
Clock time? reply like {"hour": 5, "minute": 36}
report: {"hour": 4, "minute": 3}
